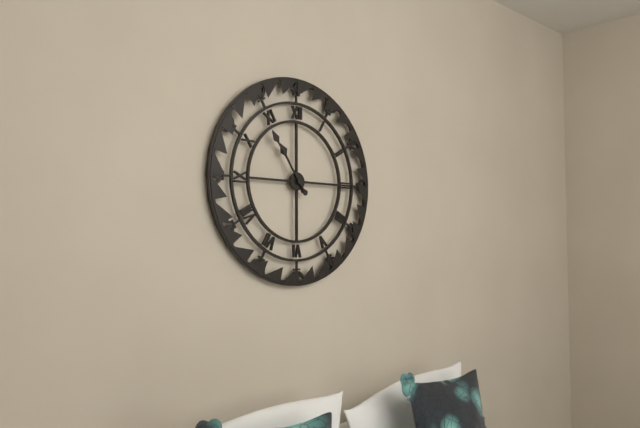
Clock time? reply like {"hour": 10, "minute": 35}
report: {"hour": 10, "minute": 54}
